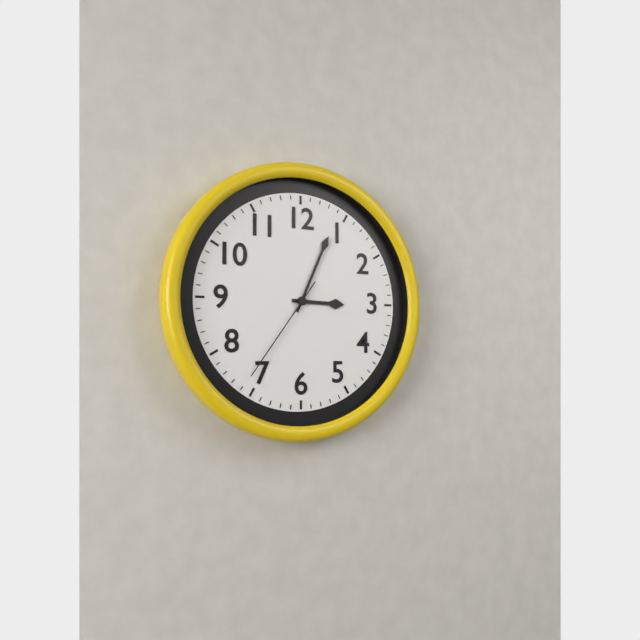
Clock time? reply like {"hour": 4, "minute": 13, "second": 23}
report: {"hour": 3, "minute": 4, "second": 36}
